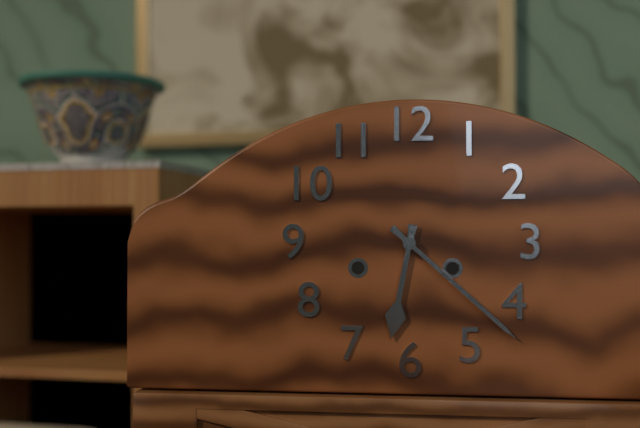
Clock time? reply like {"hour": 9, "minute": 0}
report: {"hour": 6, "minute": 22}
